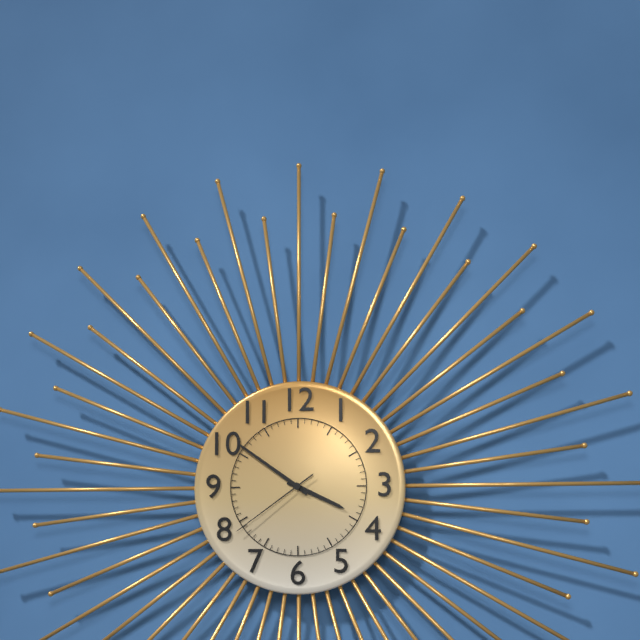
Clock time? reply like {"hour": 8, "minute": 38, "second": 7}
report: {"hour": 3, "minute": 51, "second": 39}
